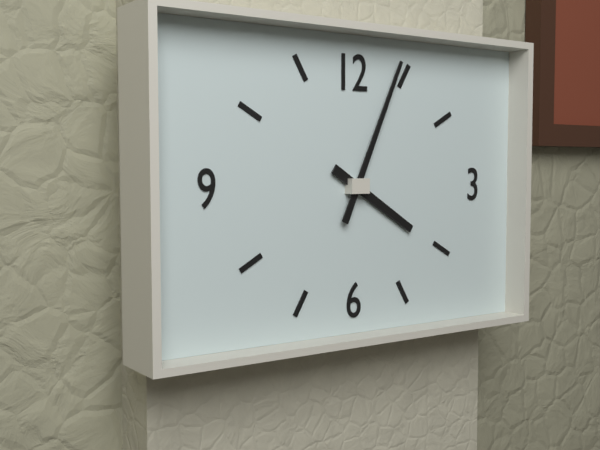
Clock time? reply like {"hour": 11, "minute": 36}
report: {"hour": 4, "minute": 4}
